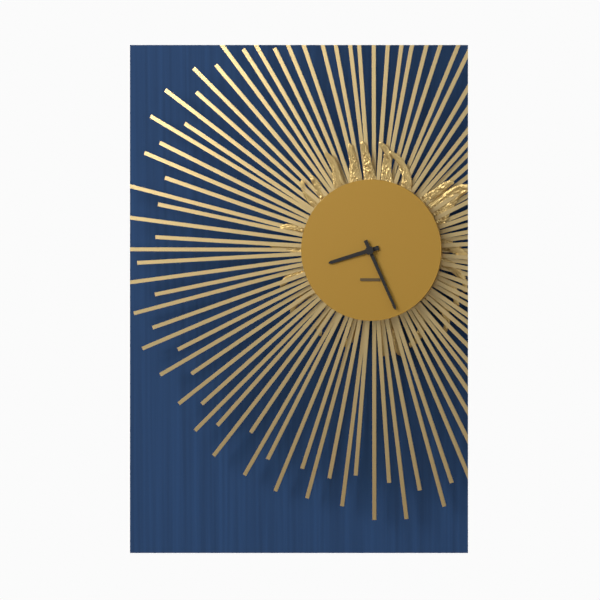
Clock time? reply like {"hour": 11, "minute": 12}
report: {"hour": 8, "minute": 26}
